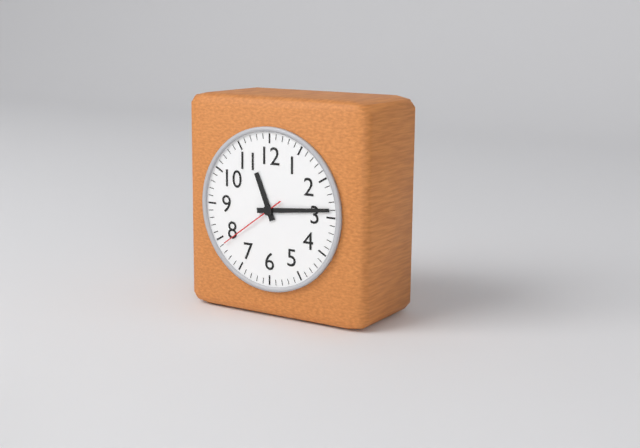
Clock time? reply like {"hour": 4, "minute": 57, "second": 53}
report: {"hour": 11, "minute": 14, "second": 39}
